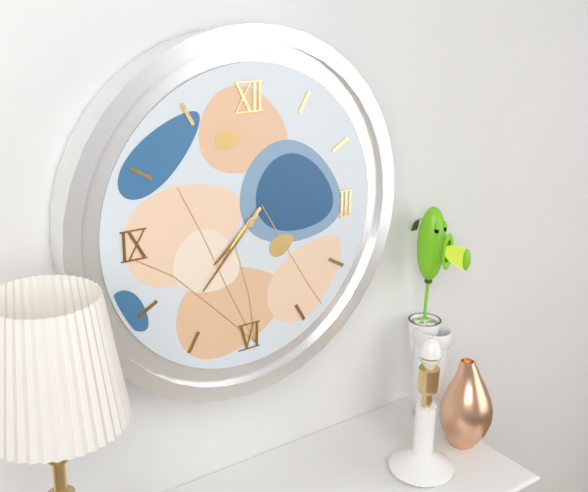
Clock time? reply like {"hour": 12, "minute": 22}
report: {"hour": 7, "minute": 37}
